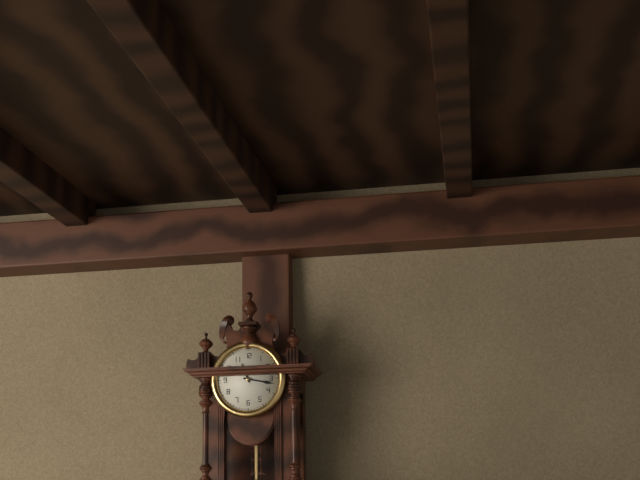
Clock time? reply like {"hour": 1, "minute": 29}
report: {"hour": 11, "minute": 17}
